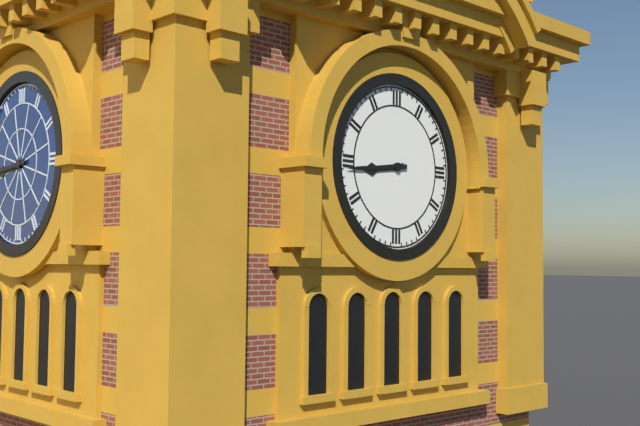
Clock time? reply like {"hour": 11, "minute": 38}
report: {"hour": 8, "minute": 44}
